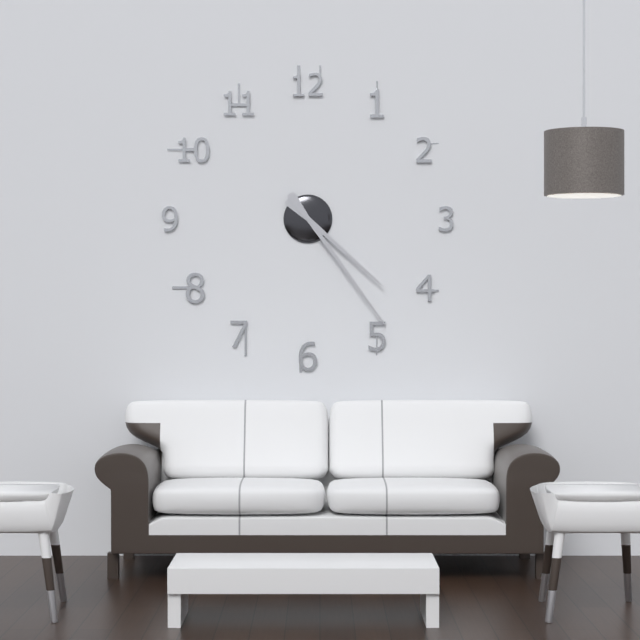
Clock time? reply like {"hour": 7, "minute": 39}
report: {"hour": 4, "minute": 24}
